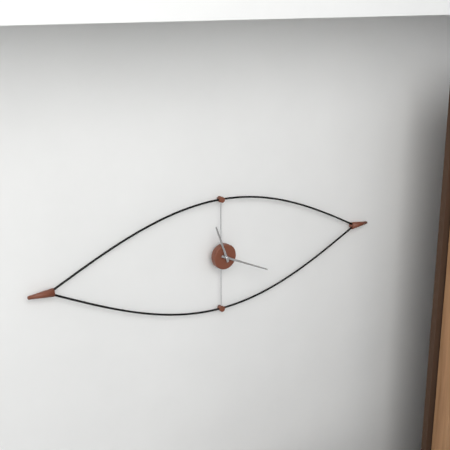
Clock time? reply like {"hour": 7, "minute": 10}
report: {"hour": 11, "minute": 19}
